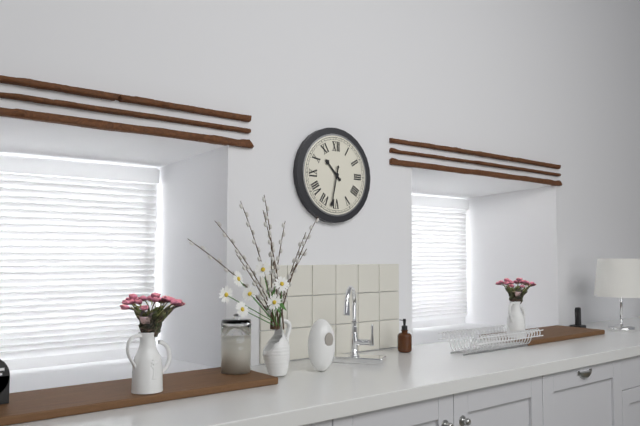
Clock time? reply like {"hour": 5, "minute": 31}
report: {"hour": 10, "minute": 32}
